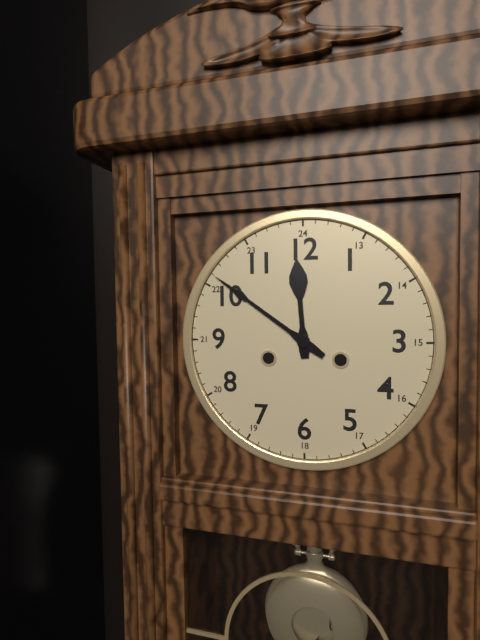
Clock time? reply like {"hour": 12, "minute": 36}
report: {"hour": 11, "minute": 51}
